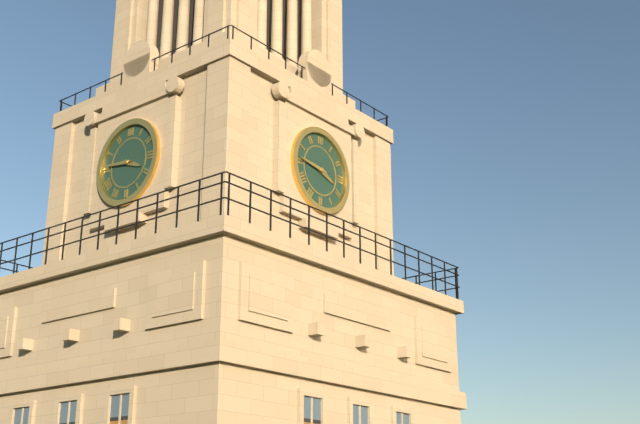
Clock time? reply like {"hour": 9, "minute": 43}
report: {"hour": 3, "minute": 46}
